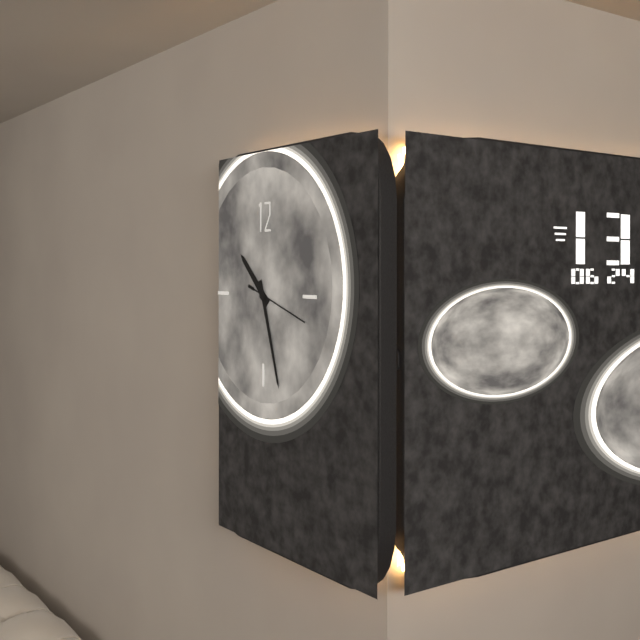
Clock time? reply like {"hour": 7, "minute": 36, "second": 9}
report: {"hour": 10, "minute": 27, "second": 18}
